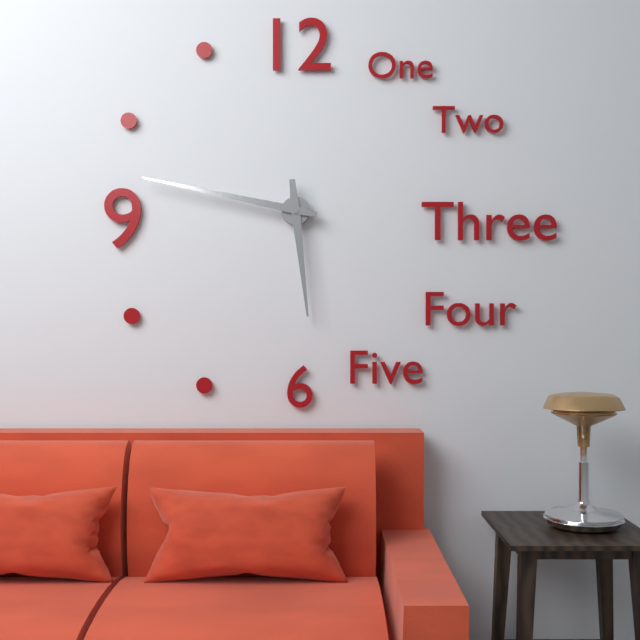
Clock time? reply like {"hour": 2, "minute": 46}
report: {"hour": 5, "minute": 47}
